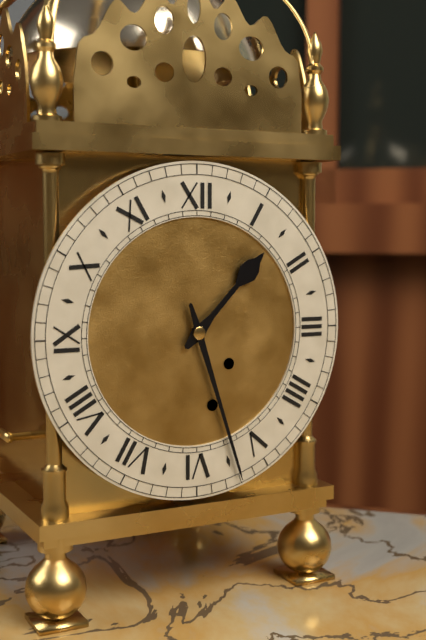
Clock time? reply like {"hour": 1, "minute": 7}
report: {"hour": 1, "minute": 27}
